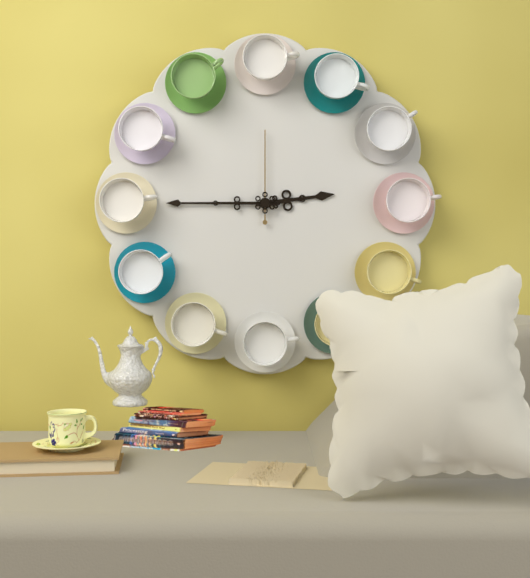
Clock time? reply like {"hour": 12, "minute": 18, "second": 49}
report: {"hour": 2, "minute": 45, "second": 0}
